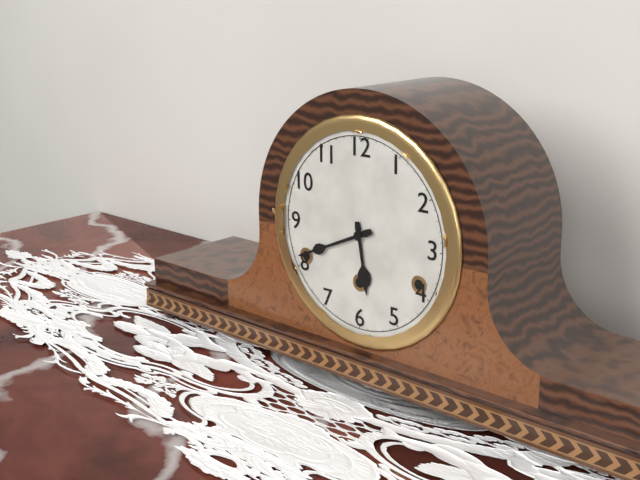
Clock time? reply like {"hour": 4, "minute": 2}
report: {"hour": 5, "minute": 41}
